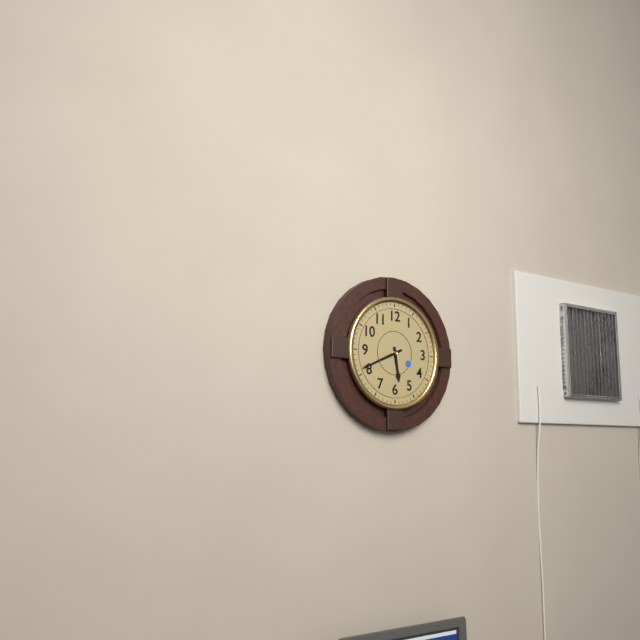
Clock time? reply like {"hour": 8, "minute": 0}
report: {"hour": 5, "minute": 41}
